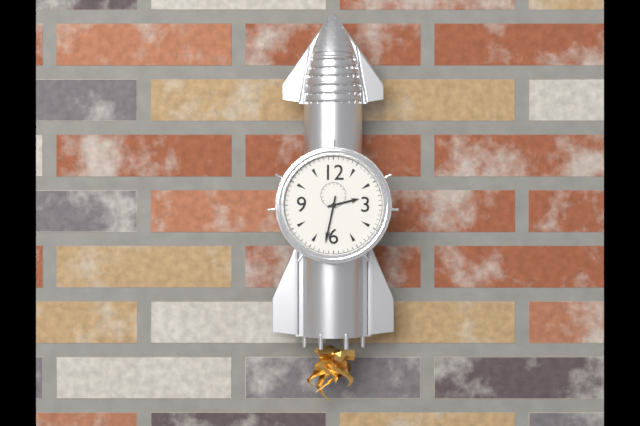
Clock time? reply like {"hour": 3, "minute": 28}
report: {"hour": 2, "minute": 32}
